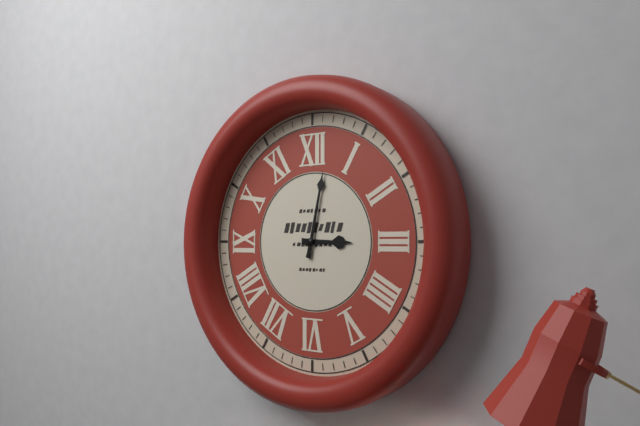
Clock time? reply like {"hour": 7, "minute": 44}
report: {"hour": 3, "minute": 2}
